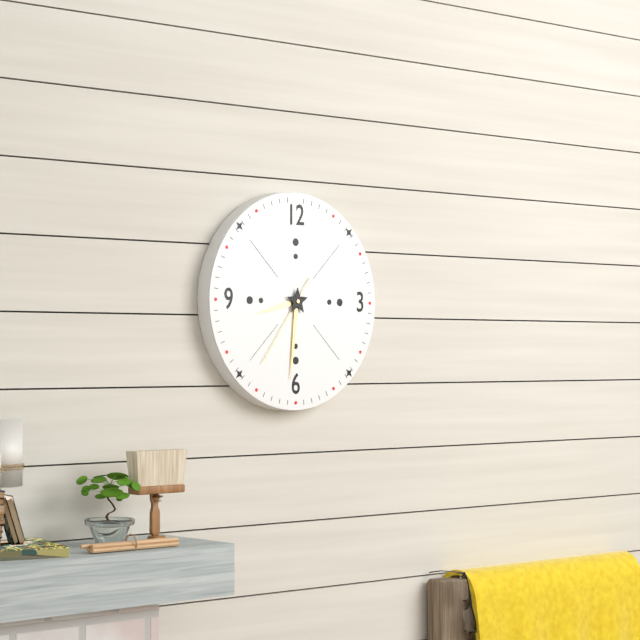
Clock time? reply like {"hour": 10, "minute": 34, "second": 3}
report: {"hour": 8, "minute": 31, "second": 36}
